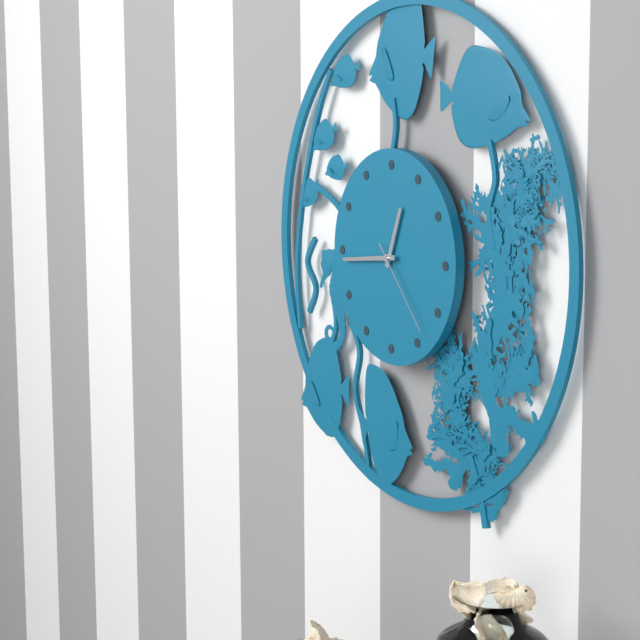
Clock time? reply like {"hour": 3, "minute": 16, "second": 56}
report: {"hour": 12, "minute": 44, "second": 23}
